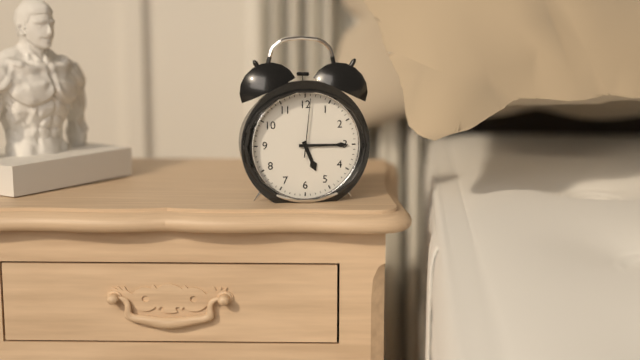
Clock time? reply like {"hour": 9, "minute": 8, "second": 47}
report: {"hour": 5, "minute": 15, "second": 1}
